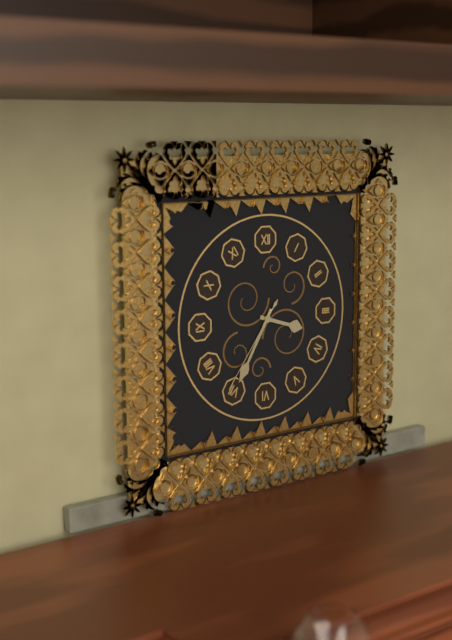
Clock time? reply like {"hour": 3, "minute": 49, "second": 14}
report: {"hour": 3, "minute": 35, "second": 36}
